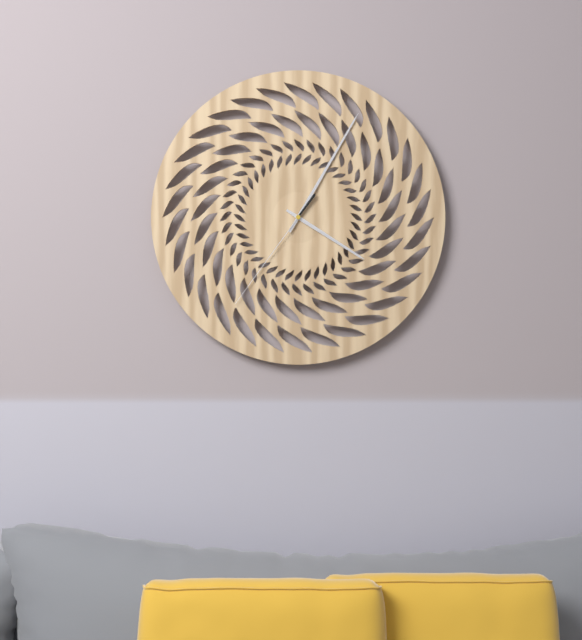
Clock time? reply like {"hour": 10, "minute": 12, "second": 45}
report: {"hour": 4, "minute": 5, "second": 36}
